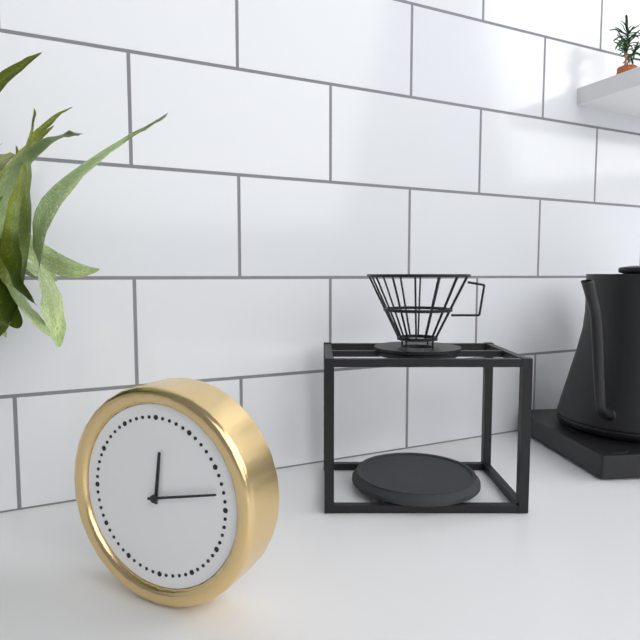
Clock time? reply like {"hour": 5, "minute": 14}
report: {"hour": 12, "minute": 13}
